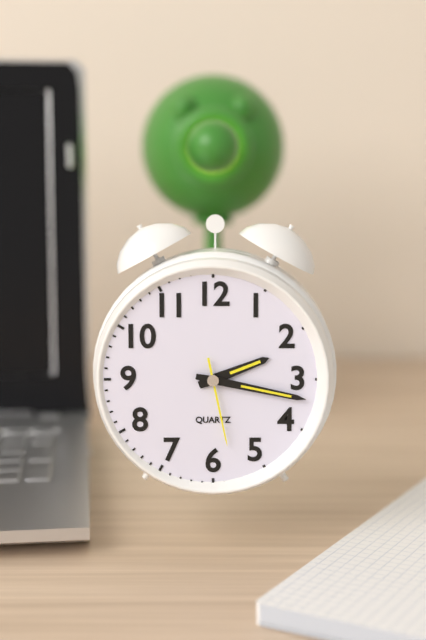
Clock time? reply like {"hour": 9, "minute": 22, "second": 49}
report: {"hour": 2, "minute": 17, "second": 28}
